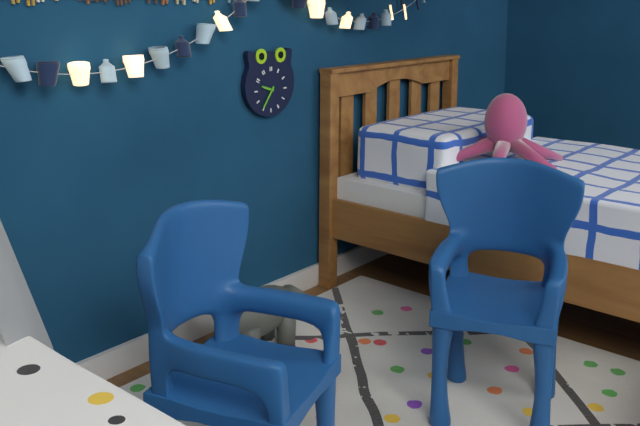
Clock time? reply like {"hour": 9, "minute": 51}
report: {"hour": 9, "minute": 36}
